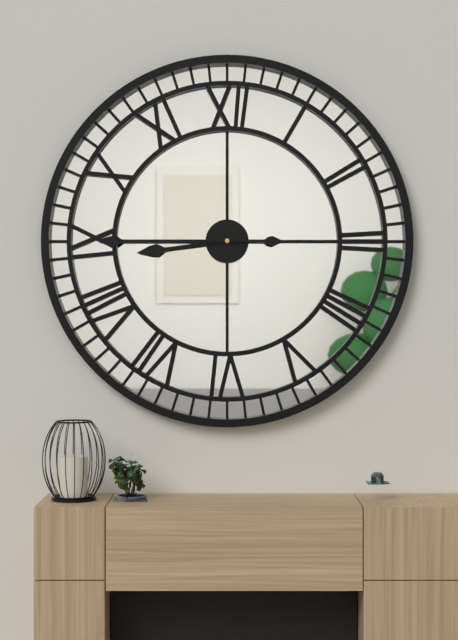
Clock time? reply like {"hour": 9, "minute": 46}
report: {"hour": 8, "minute": 45}
